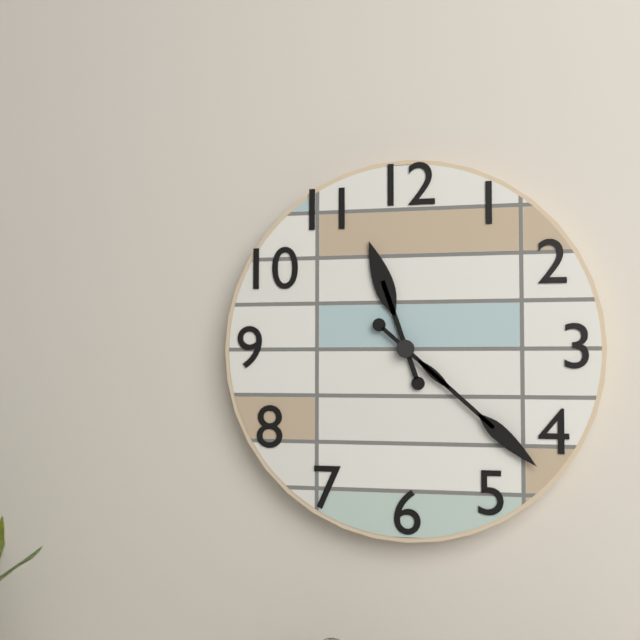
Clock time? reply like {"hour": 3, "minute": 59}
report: {"hour": 11, "minute": 22}
